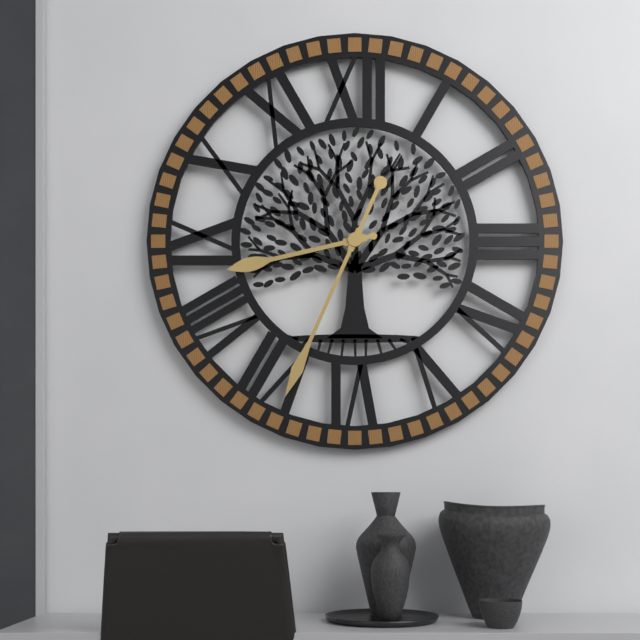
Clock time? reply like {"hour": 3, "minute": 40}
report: {"hour": 8, "minute": 34}
